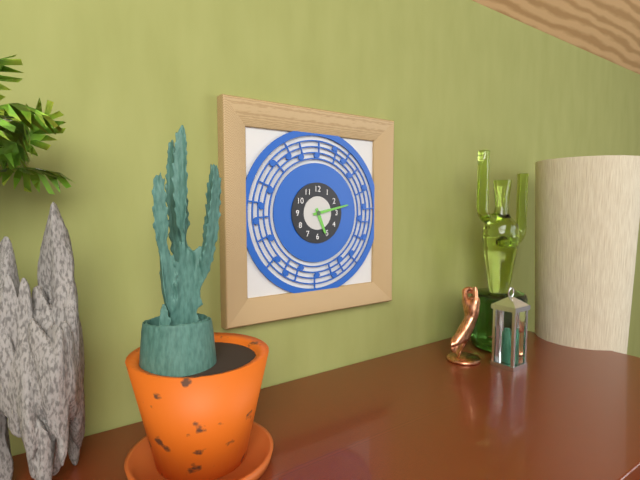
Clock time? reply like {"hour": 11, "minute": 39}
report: {"hour": 5, "minute": 13}
